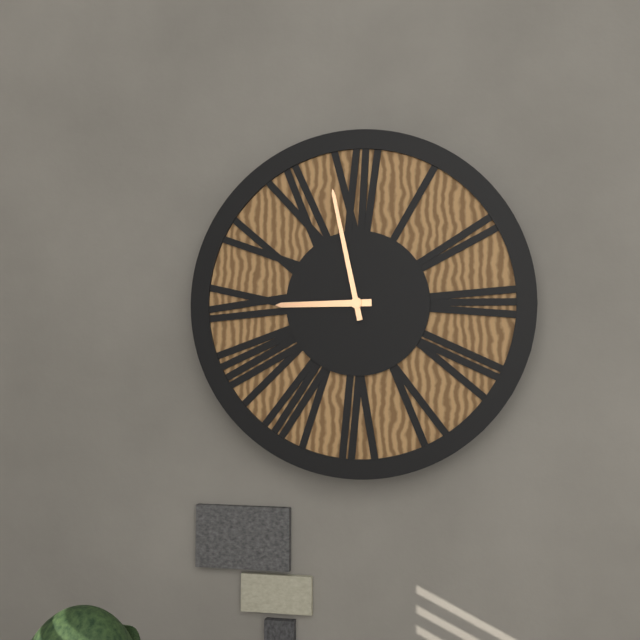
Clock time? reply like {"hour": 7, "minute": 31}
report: {"hour": 8, "minute": 58}
